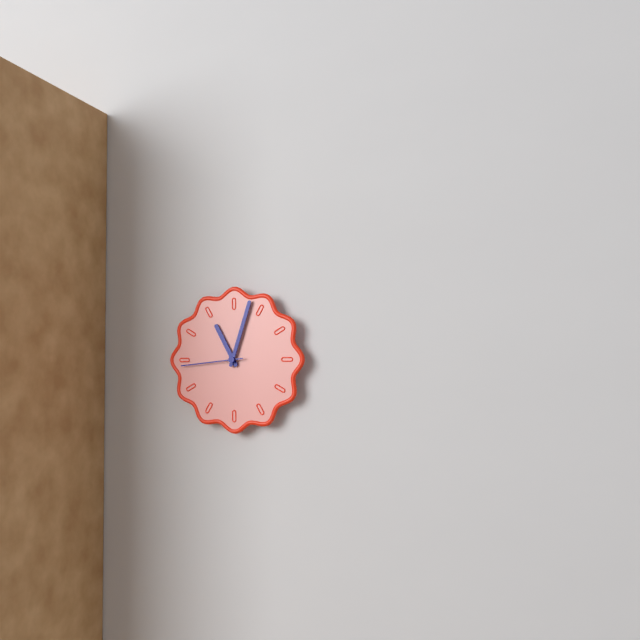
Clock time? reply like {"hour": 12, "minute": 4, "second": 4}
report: {"hour": 11, "minute": 3, "second": 44}
